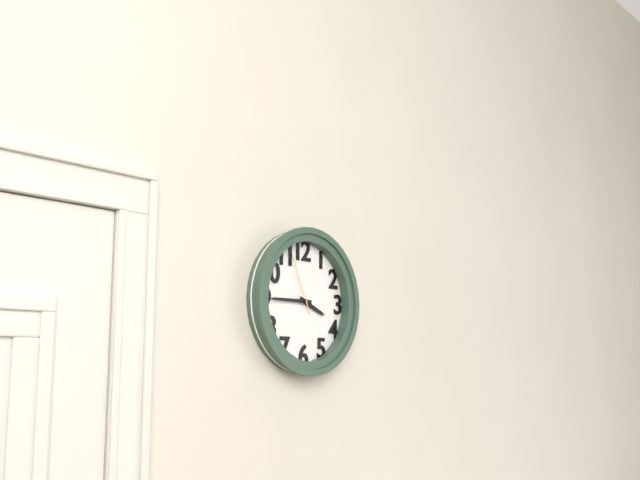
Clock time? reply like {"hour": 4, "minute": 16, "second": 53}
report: {"hour": 3, "minute": 45, "second": 56}
